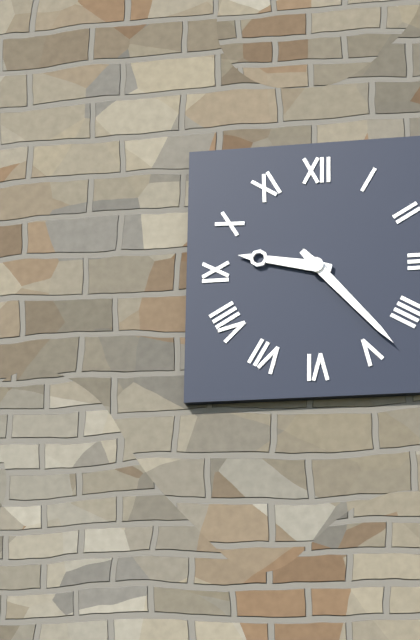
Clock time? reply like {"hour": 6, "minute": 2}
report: {"hour": 9, "minute": 23}
